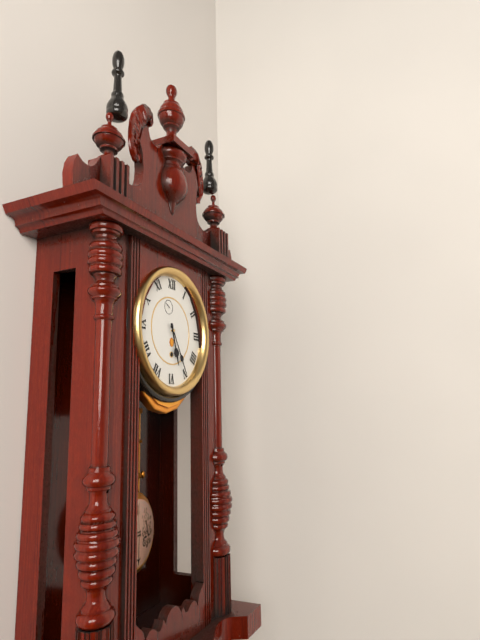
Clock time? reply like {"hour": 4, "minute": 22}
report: {"hour": 5, "minute": 25}
